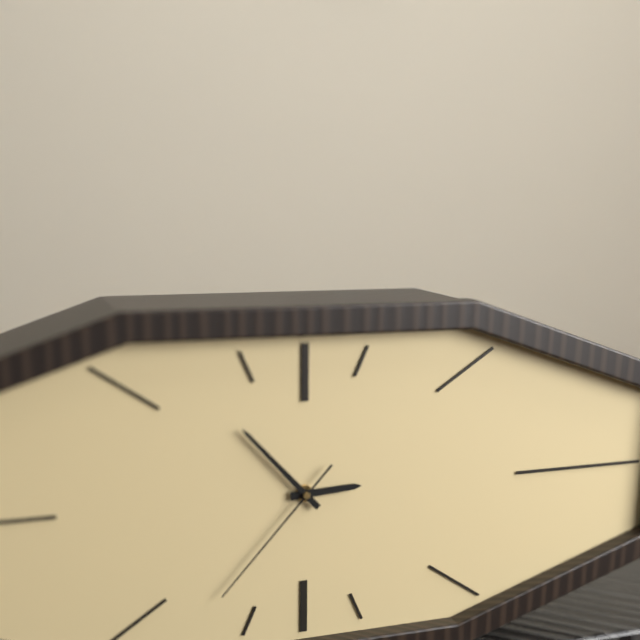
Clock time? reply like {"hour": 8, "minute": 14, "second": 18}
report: {"hour": 2, "minute": 53, "second": 37}
